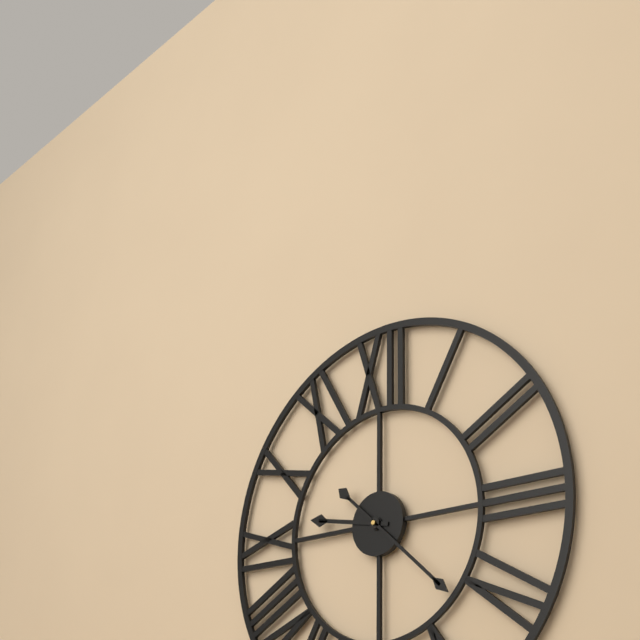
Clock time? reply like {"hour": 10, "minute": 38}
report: {"hour": 9, "minute": 22}
